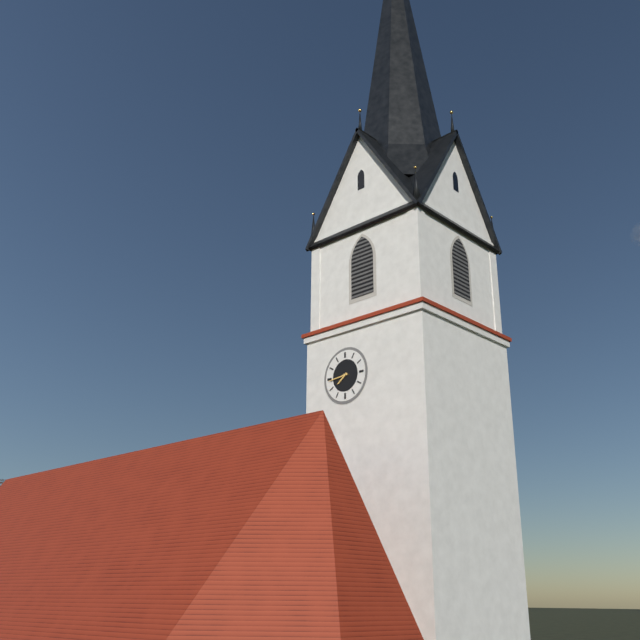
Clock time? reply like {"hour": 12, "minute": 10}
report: {"hour": 7, "minute": 44}
